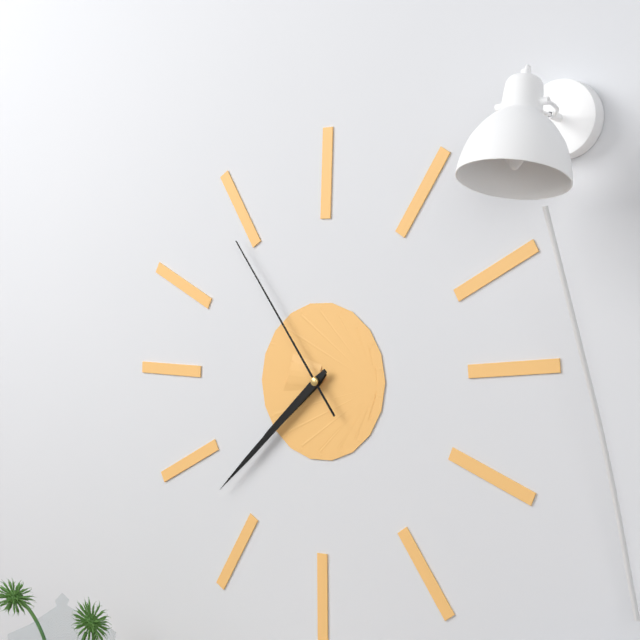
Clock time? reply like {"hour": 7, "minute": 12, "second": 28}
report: {"hour": 7, "minute": 38, "second": 54}
